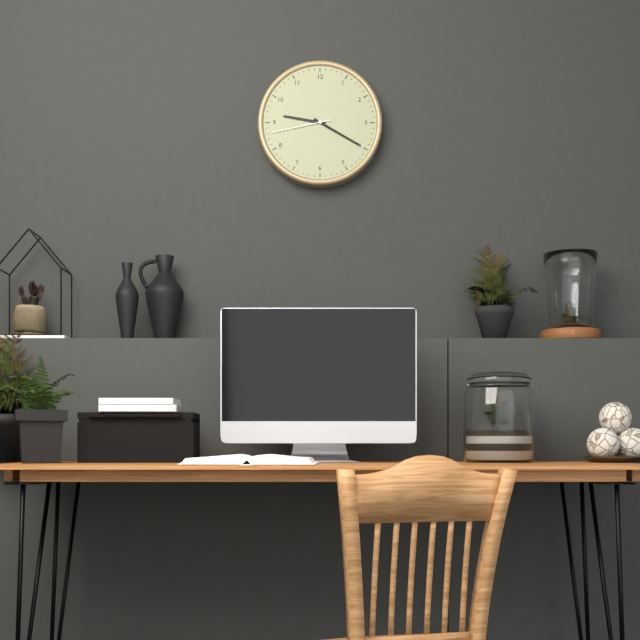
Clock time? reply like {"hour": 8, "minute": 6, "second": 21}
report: {"hour": 9, "minute": 20, "second": 43}
